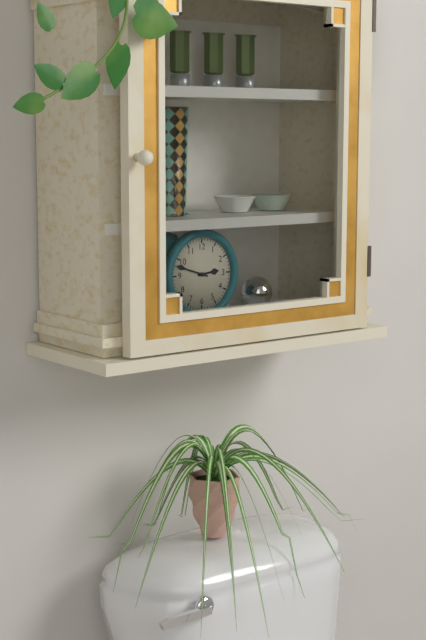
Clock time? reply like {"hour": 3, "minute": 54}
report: {"hour": 2, "minute": 48}
